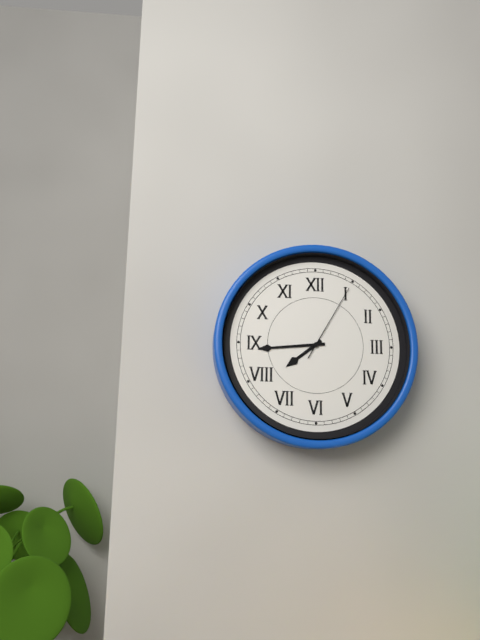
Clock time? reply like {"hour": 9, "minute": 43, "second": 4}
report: {"hour": 7, "minute": 44, "second": 5}
